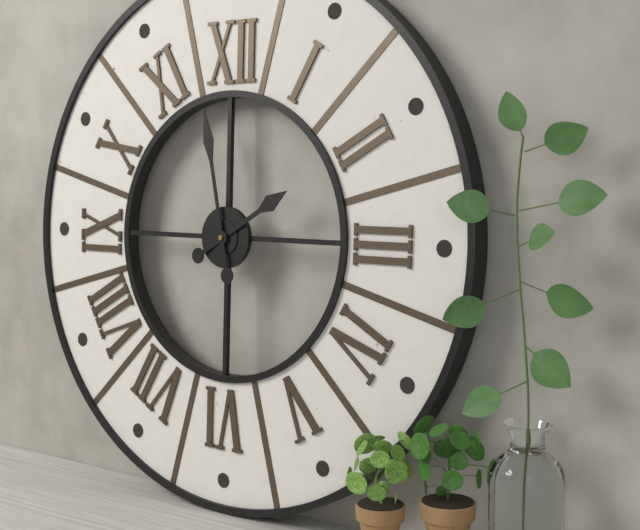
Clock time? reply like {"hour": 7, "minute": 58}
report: {"hour": 1, "minute": 58}
